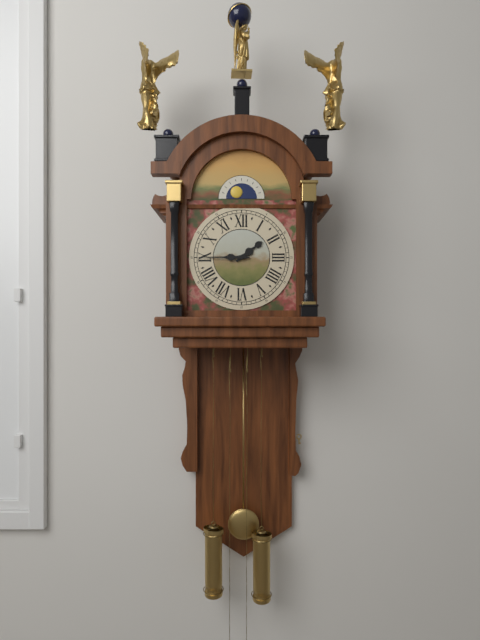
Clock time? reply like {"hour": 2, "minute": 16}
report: {"hour": 1, "minute": 45}
